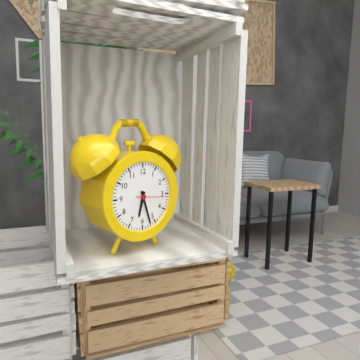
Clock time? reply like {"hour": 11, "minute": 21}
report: {"hour": 6, "minute": 27}
